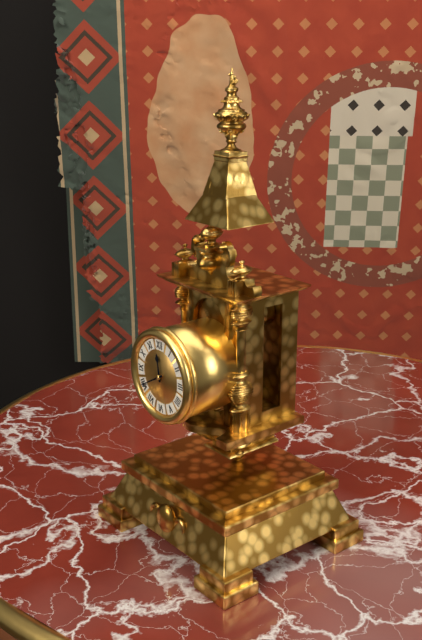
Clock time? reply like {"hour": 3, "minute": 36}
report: {"hour": 11, "minute": 40}
